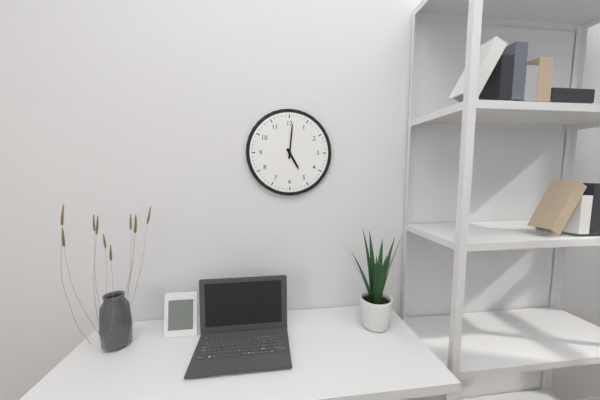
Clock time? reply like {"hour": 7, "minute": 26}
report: {"hour": 5, "minute": 1}
